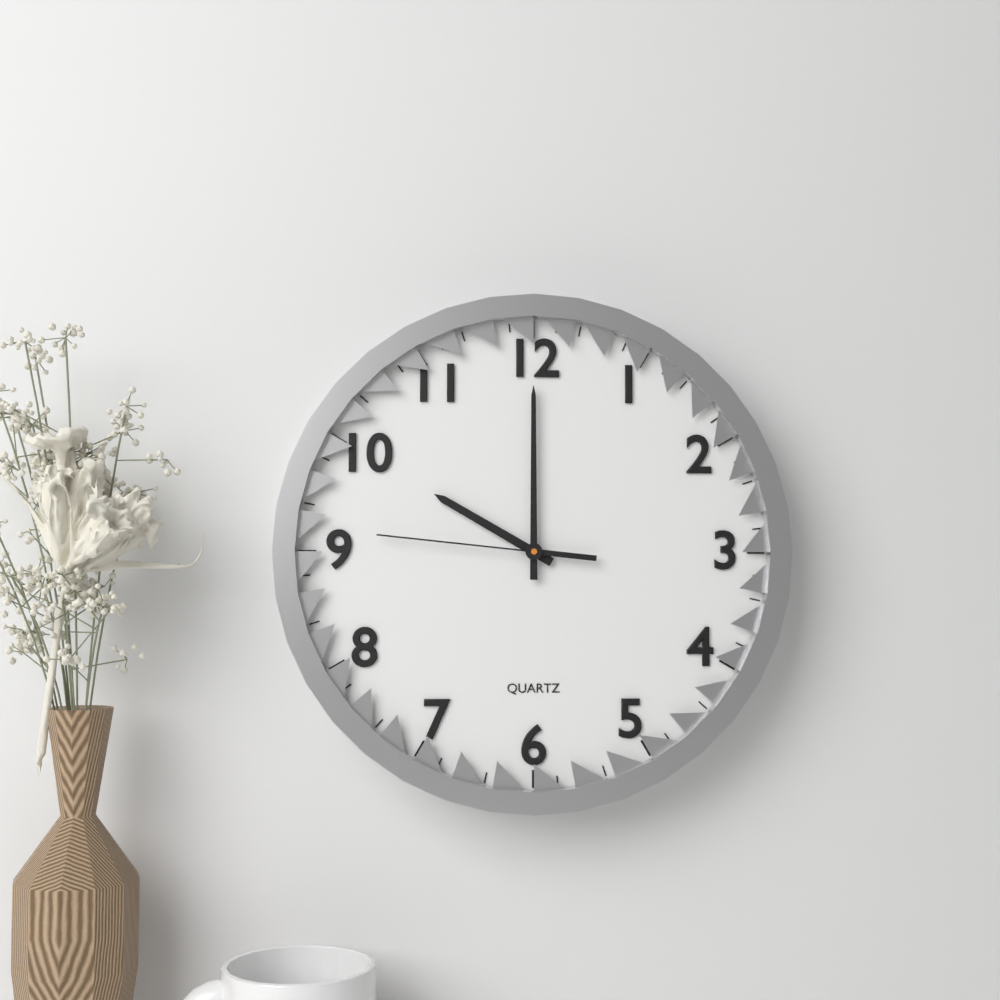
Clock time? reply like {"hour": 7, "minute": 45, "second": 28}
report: {"hour": 10, "minute": 0, "second": 46}
